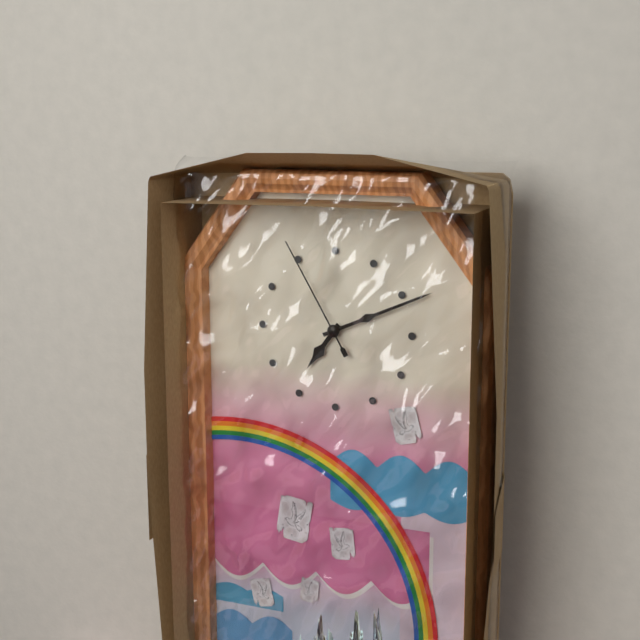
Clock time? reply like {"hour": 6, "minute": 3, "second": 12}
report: {"hour": 7, "minute": 11, "second": 55}
